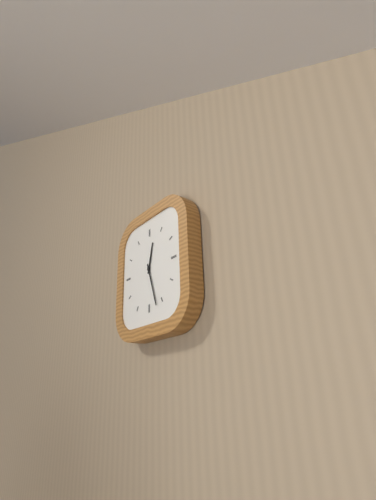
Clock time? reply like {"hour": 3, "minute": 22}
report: {"hour": 12, "minute": 27}
